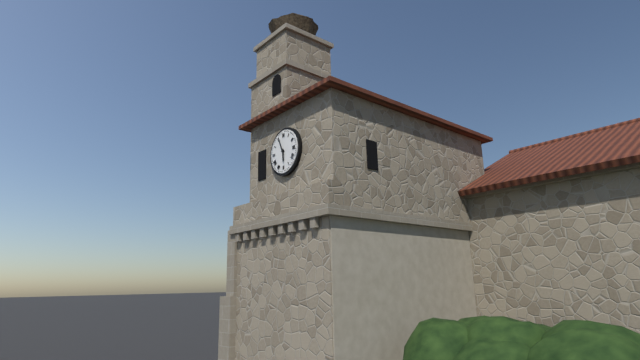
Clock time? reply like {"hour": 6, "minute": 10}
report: {"hour": 5, "minute": 56}
